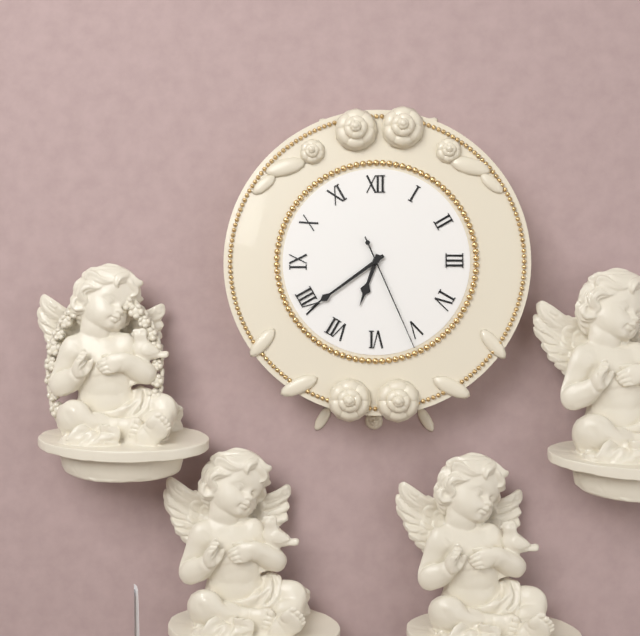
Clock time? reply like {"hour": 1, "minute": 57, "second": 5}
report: {"hour": 6, "minute": 39, "second": 26}
